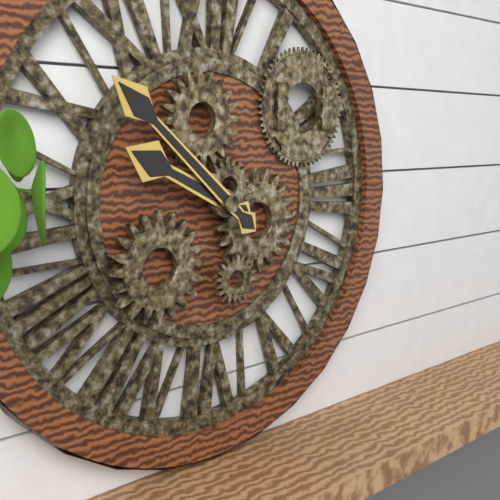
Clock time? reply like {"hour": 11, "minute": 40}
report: {"hour": 9, "minute": 52}
